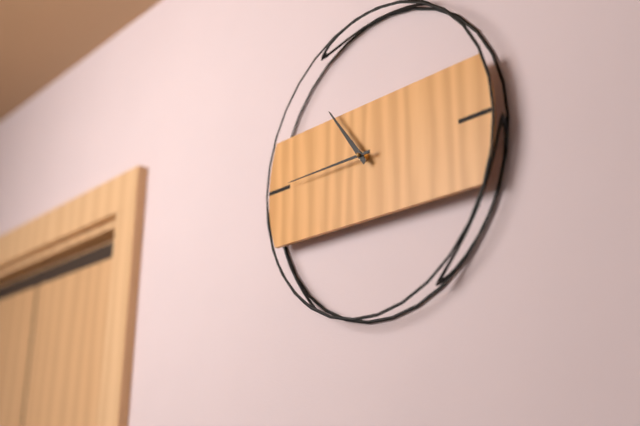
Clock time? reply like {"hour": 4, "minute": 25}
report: {"hour": 10, "minute": 45}
